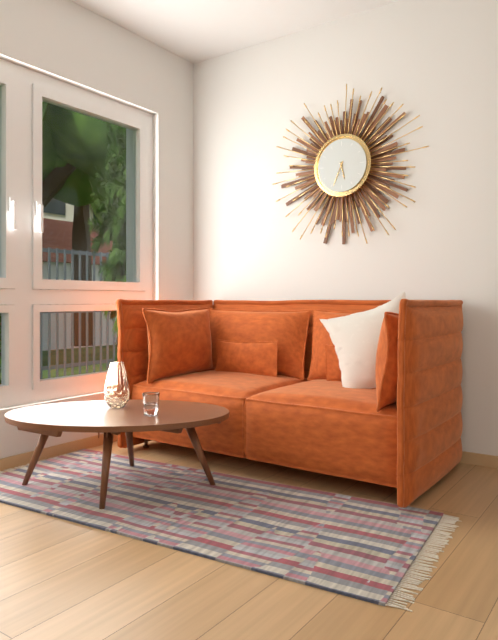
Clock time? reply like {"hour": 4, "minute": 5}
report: {"hour": 5, "minute": 34}
